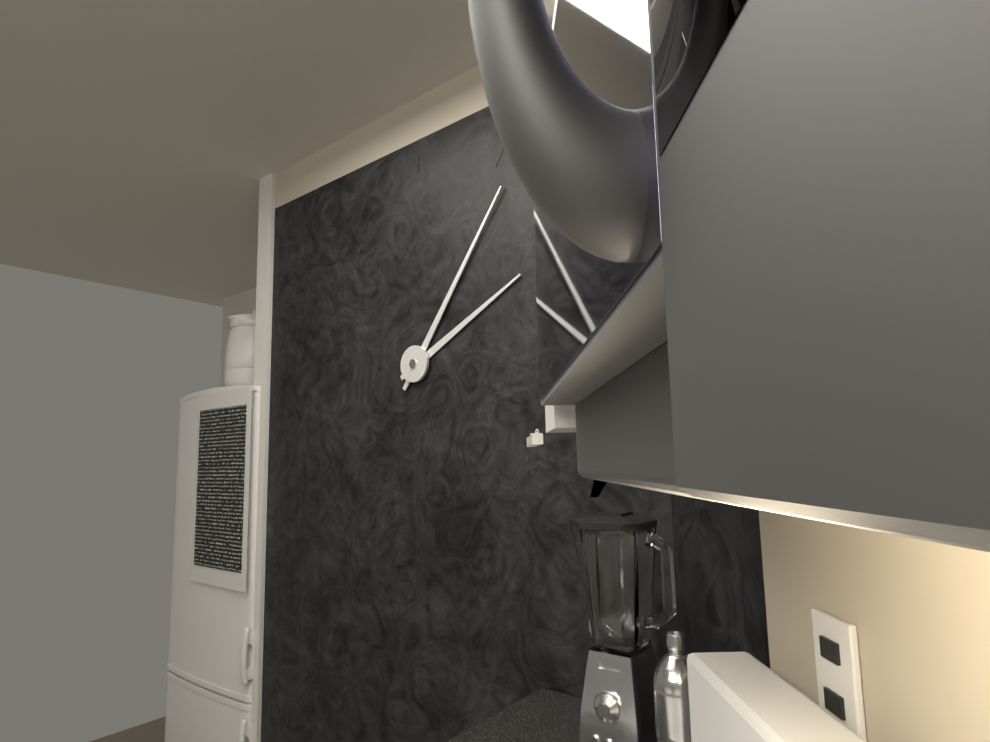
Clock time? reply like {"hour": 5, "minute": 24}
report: {"hour": 2, "minute": 6}
